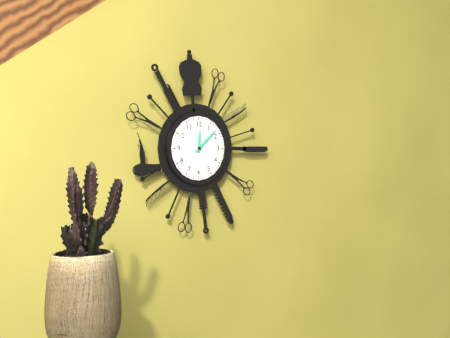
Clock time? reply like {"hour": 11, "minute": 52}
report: {"hour": 12, "minute": 8}
